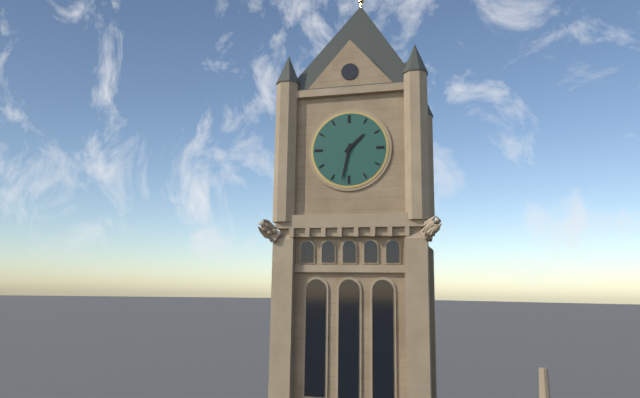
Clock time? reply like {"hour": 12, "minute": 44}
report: {"hour": 1, "minute": 32}
